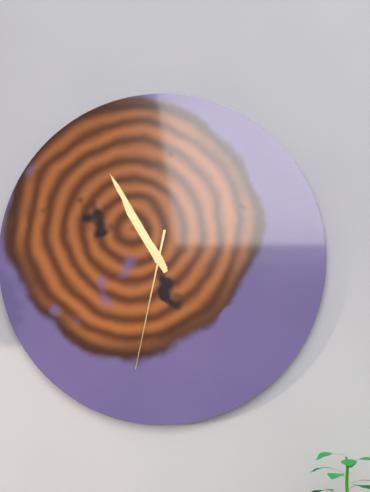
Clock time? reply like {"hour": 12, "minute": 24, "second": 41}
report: {"hour": 10, "minute": 55, "second": 32}
